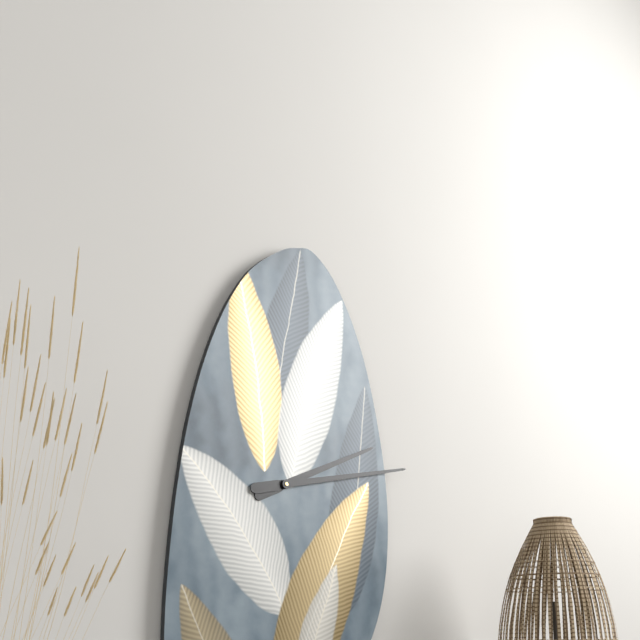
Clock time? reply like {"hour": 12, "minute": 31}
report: {"hour": 2, "minute": 13}
